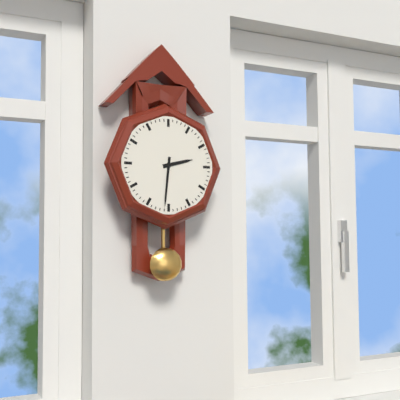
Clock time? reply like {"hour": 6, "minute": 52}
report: {"hour": 2, "minute": 31}
